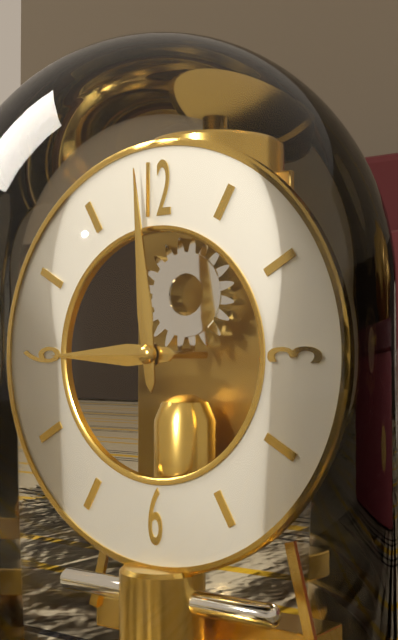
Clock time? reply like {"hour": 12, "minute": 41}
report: {"hour": 8, "minute": 59}
